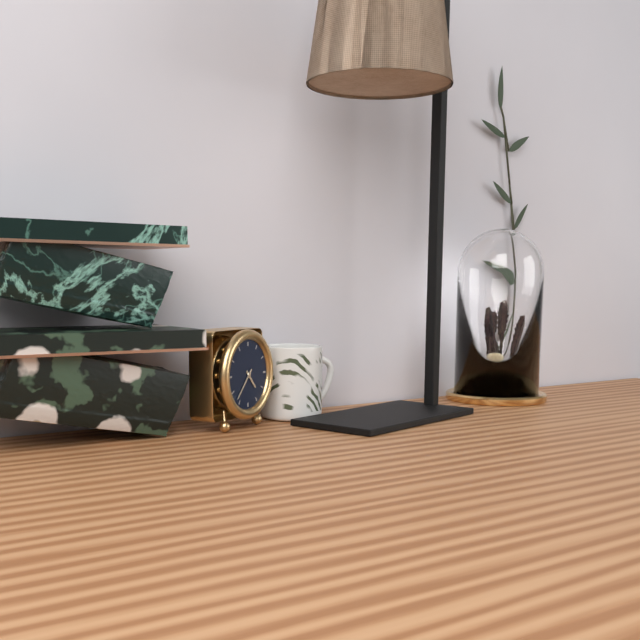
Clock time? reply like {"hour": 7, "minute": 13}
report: {"hour": 4, "minute": 37}
